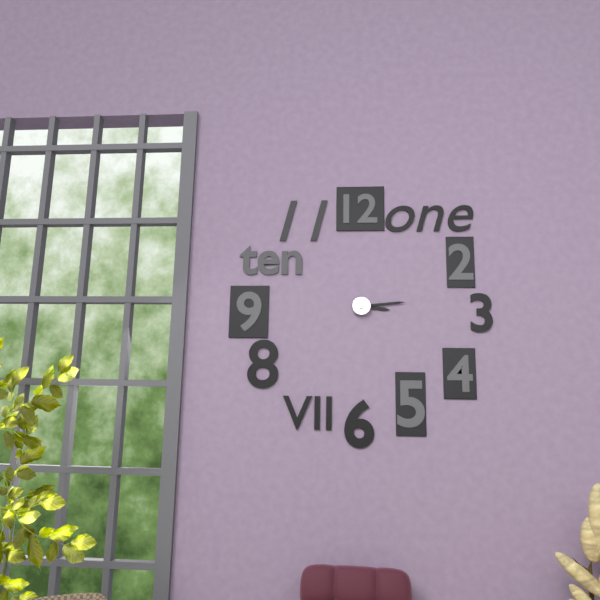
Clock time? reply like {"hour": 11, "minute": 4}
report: {"hour": 3, "minute": 14}
